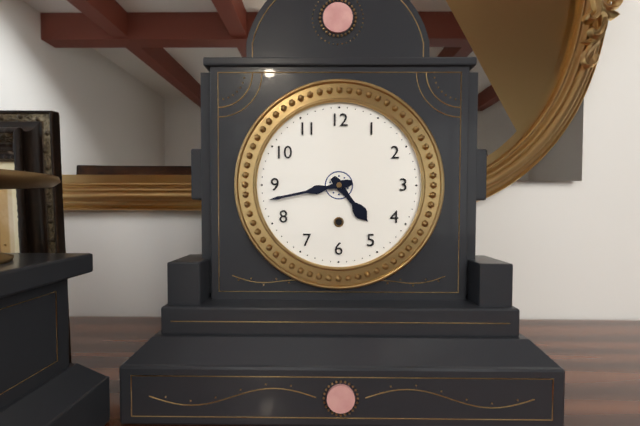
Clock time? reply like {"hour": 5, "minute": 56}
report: {"hour": 4, "minute": 43}
